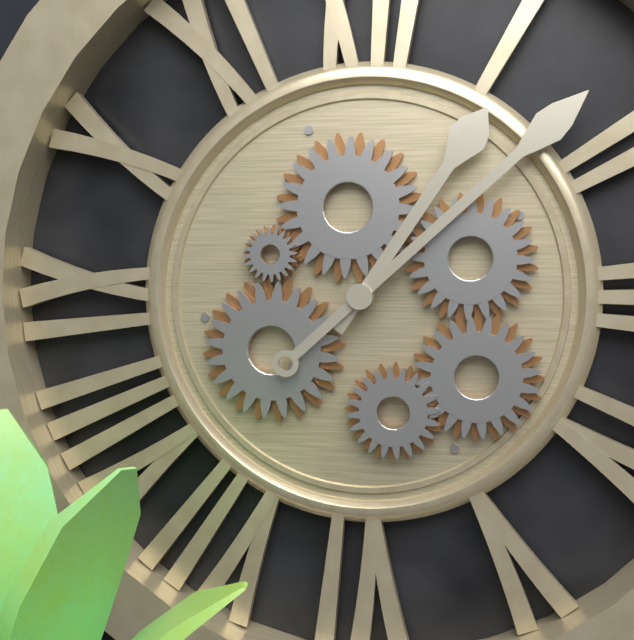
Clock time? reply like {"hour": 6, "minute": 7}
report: {"hour": 1, "minute": 8}
